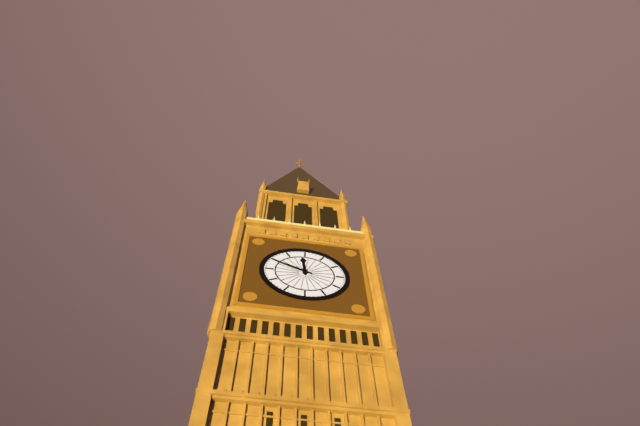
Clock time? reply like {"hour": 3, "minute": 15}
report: {"hour": 11, "minute": 49}
